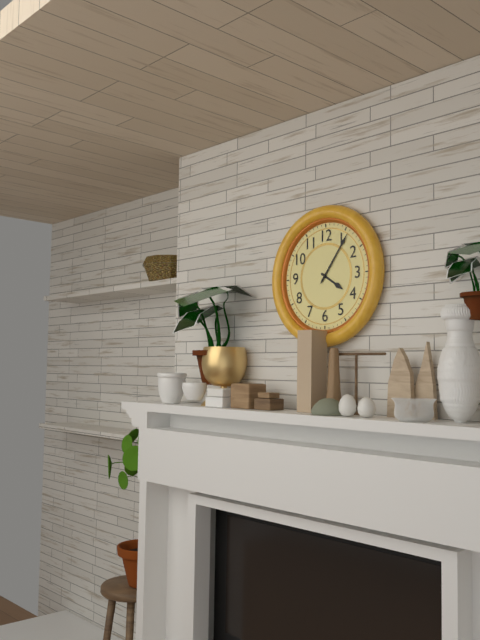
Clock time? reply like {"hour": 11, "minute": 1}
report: {"hour": 4, "minute": 6}
